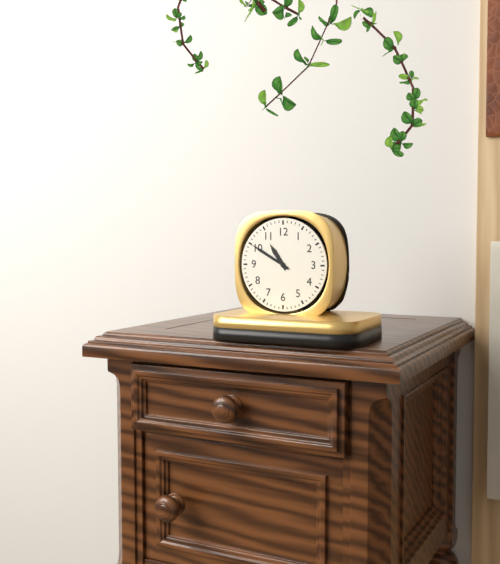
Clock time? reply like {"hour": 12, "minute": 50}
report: {"hour": 10, "minute": 50}
